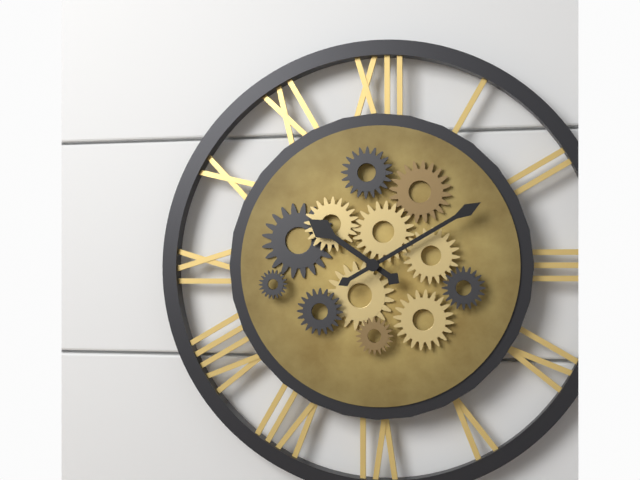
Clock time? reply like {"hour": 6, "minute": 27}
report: {"hour": 10, "minute": 10}
